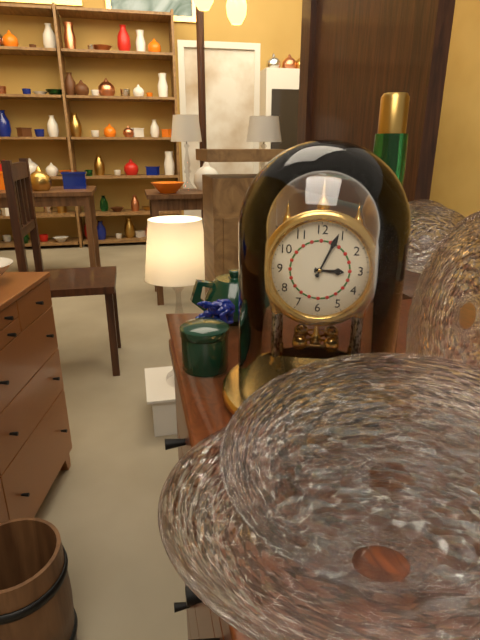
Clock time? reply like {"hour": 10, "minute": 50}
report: {"hour": 3, "minute": 4}
